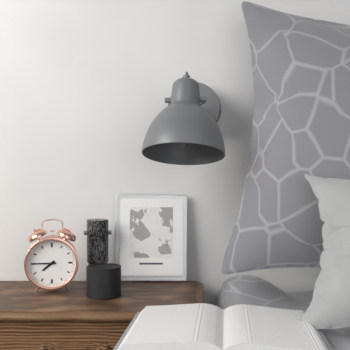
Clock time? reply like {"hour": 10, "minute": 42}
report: {"hour": 7, "minute": 45}
